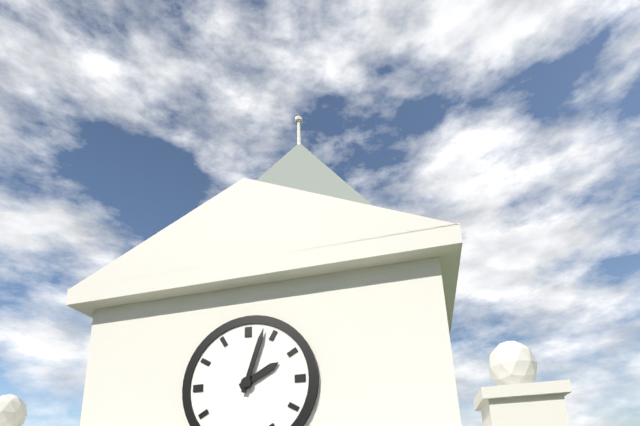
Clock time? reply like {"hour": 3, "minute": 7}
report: {"hour": 2, "minute": 3}
